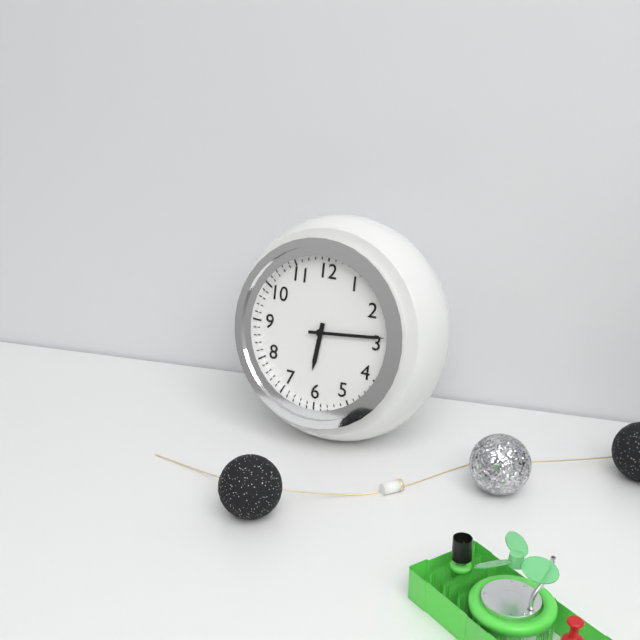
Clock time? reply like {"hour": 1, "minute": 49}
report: {"hour": 6, "minute": 14}
